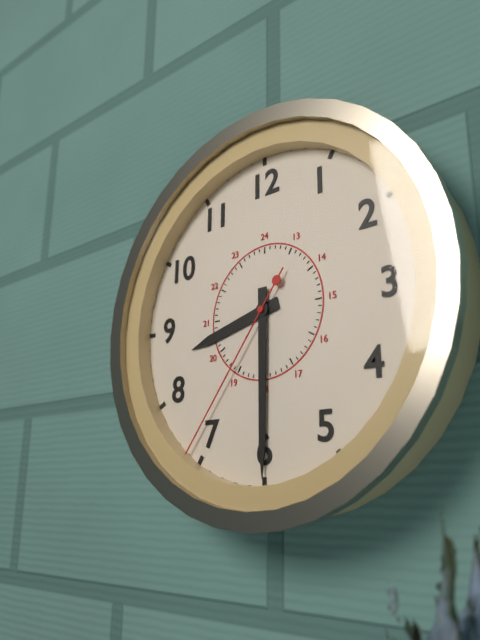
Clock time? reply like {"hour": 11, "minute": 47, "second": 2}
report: {"hour": 8, "minute": 30, "second": 36}
